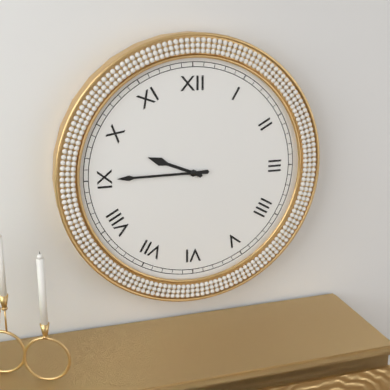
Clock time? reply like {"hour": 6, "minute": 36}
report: {"hour": 9, "minute": 45}
